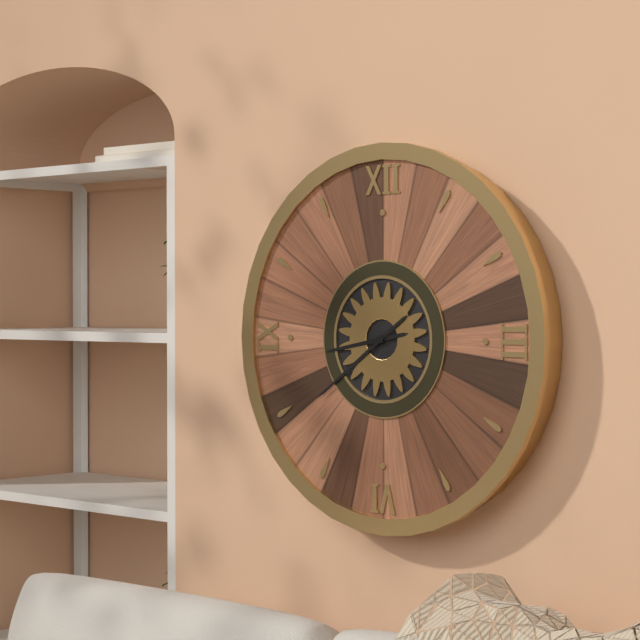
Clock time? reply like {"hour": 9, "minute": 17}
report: {"hour": 8, "minute": 39}
